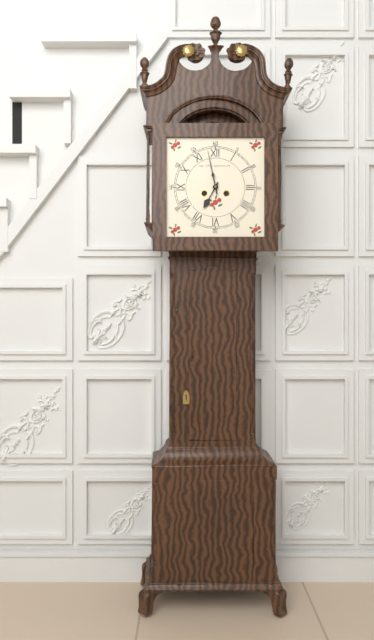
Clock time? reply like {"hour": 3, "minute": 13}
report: {"hour": 6, "minute": 58}
